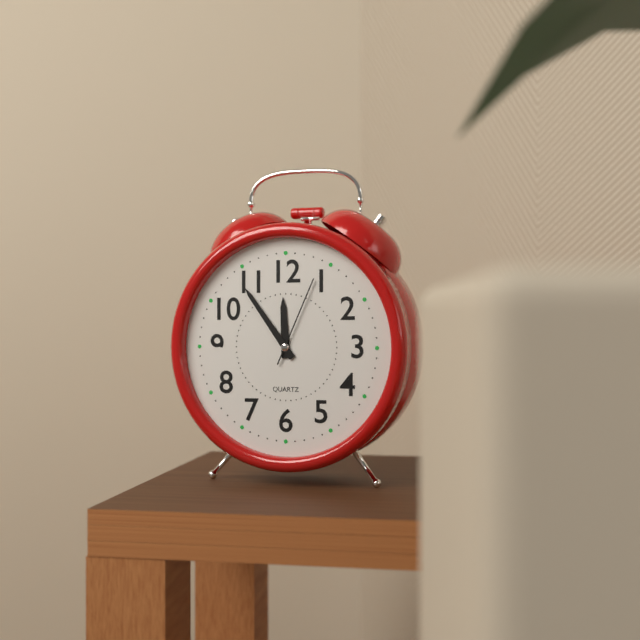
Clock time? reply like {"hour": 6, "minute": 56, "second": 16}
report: {"hour": 11, "minute": 54, "second": 4}
